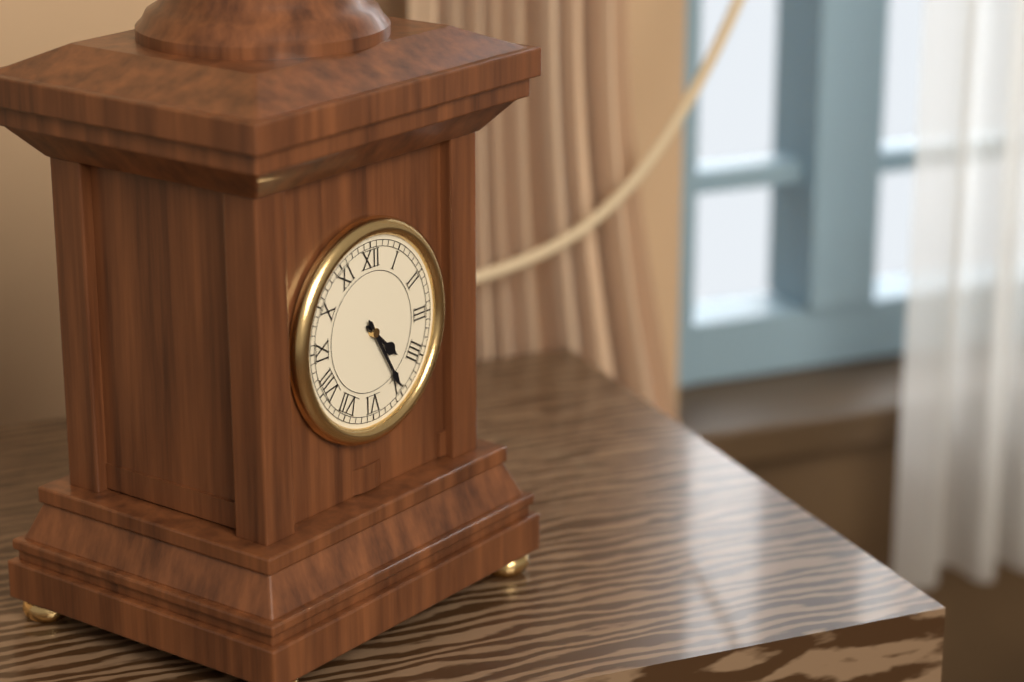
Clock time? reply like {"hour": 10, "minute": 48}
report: {"hour": 4, "minute": 25}
